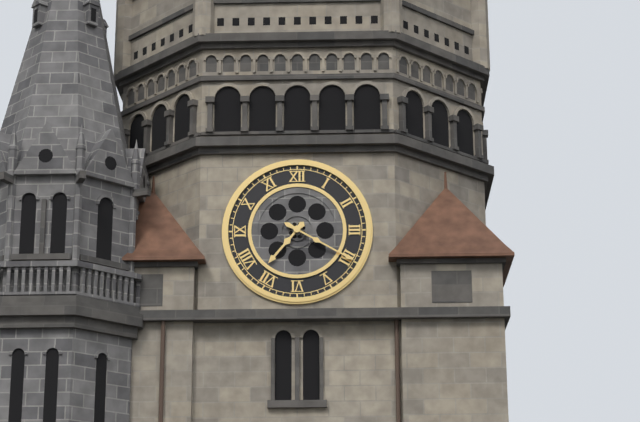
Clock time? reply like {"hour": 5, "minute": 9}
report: {"hour": 7, "minute": 20}
